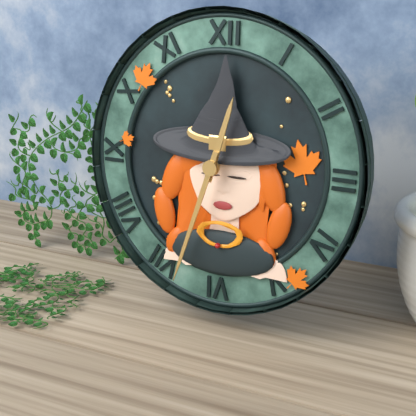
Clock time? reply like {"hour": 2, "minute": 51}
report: {"hour": 12, "minute": 33}
